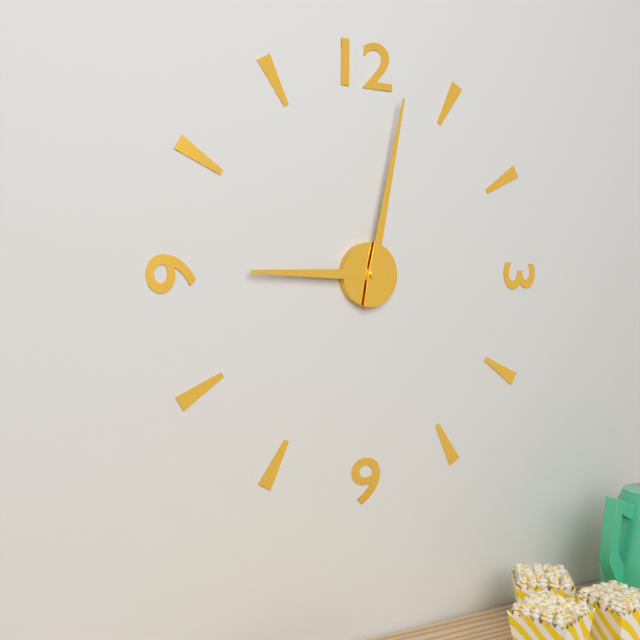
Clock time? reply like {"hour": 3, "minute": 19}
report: {"hour": 9, "minute": 2}
